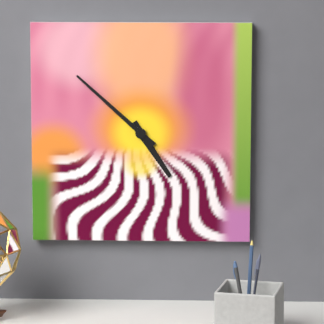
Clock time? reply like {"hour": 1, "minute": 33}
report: {"hour": 4, "minute": 52}
